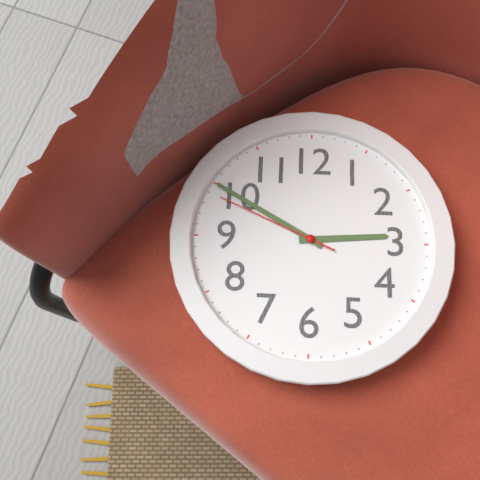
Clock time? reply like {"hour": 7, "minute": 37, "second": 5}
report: {"hour": 2, "minute": 50, "second": 49}
